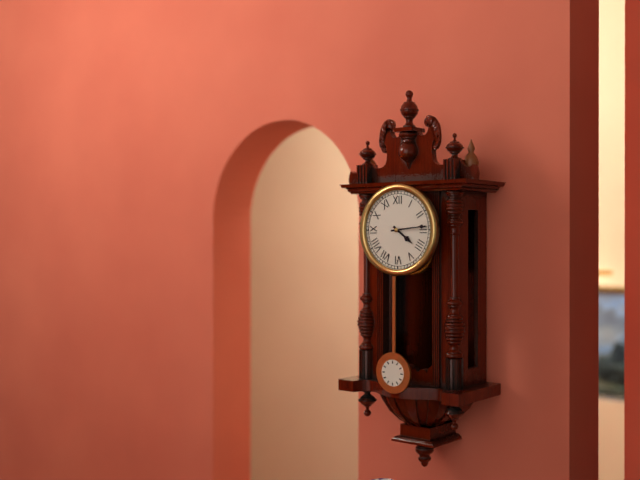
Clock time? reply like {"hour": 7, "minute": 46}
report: {"hour": 4, "minute": 14}
